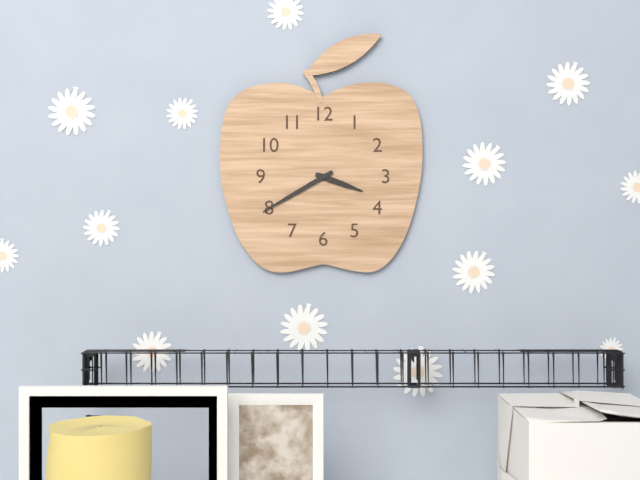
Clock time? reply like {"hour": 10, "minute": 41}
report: {"hour": 3, "minute": 40}
